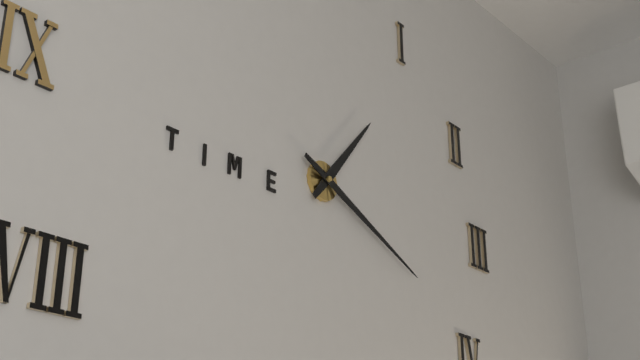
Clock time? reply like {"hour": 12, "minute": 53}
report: {"hour": 1, "minute": 19}
